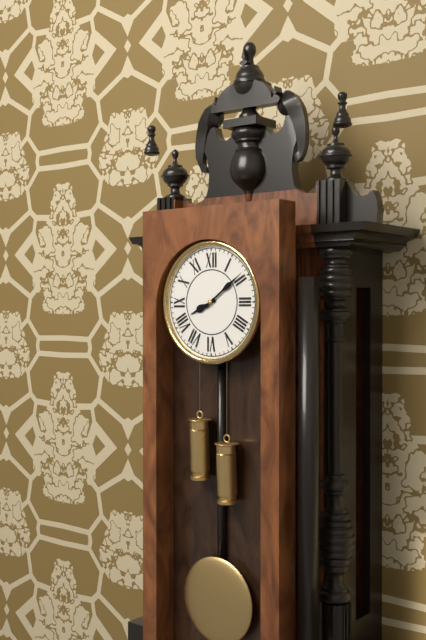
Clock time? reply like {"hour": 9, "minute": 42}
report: {"hour": 8, "minute": 9}
